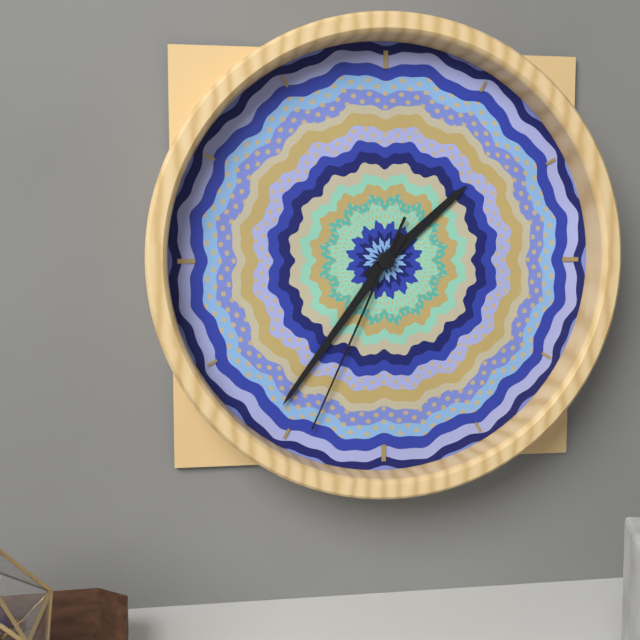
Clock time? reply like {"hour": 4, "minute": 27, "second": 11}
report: {"hour": 1, "minute": 36, "second": 34}
